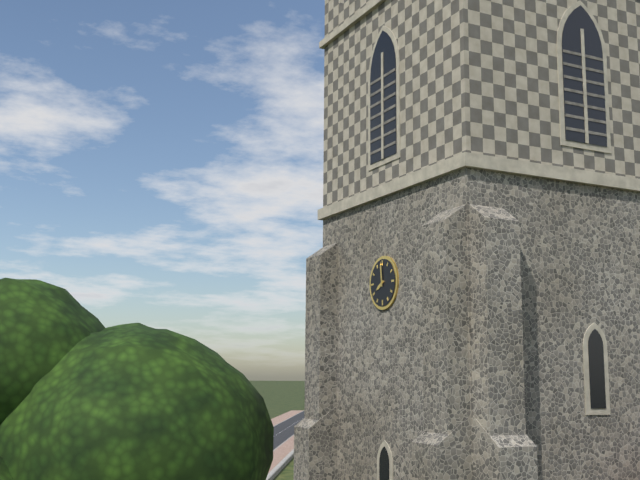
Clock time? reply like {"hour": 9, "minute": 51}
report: {"hour": 7, "minute": 59}
